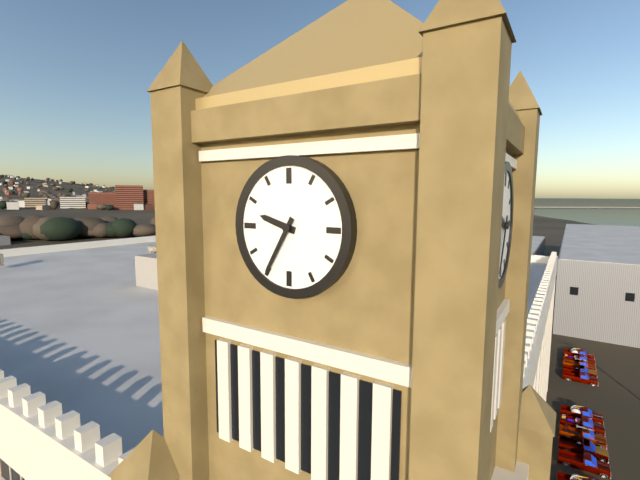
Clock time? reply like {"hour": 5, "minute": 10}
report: {"hour": 9, "minute": 35}
